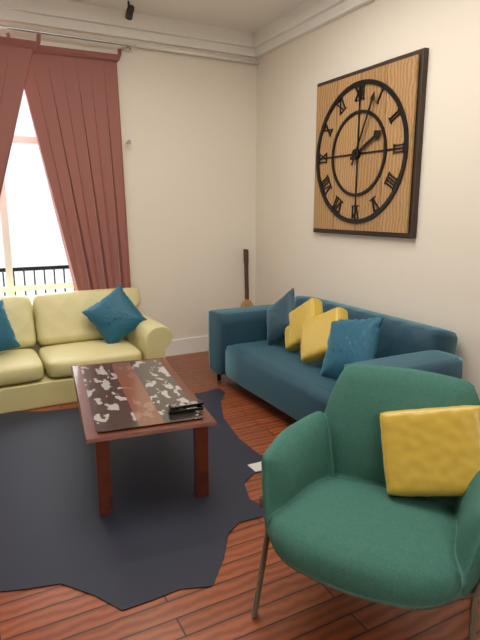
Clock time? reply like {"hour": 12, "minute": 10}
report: {"hour": 2, "minute": 4}
